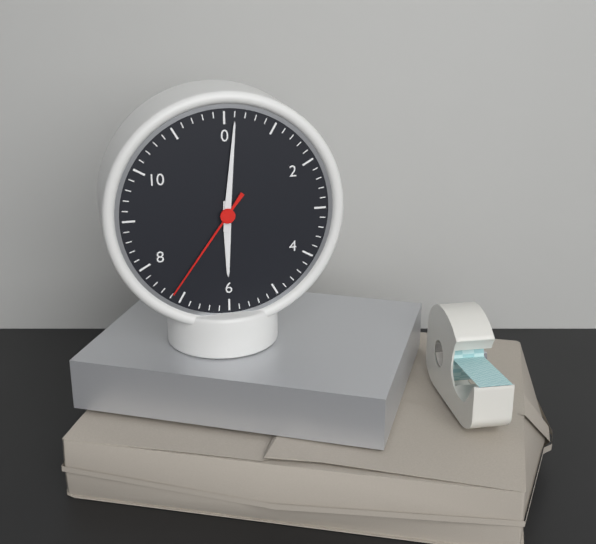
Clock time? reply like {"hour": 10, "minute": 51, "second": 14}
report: {"hour": 6, "minute": 1, "second": 36}
